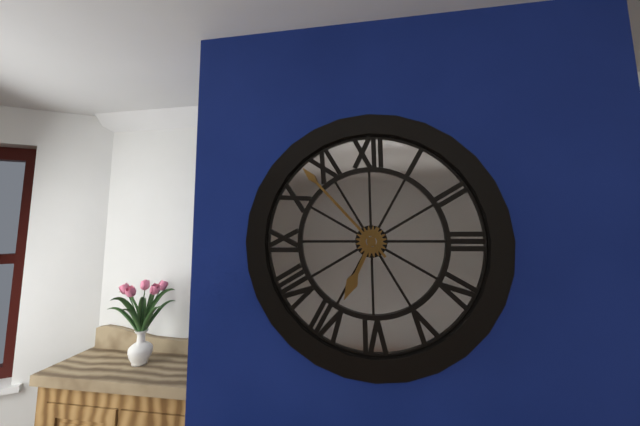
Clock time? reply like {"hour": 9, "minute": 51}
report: {"hour": 6, "minute": 53}
